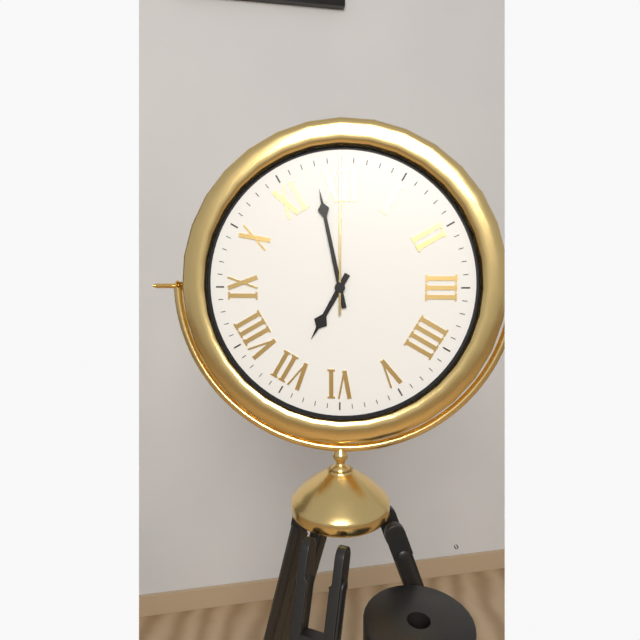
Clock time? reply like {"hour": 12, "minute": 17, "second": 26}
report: {"hour": 6, "minute": 58, "second": 0}
